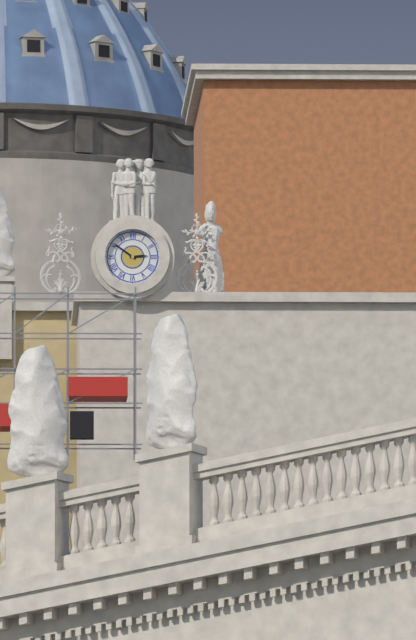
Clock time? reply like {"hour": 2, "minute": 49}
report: {"hour": 2, "minute": 51}
